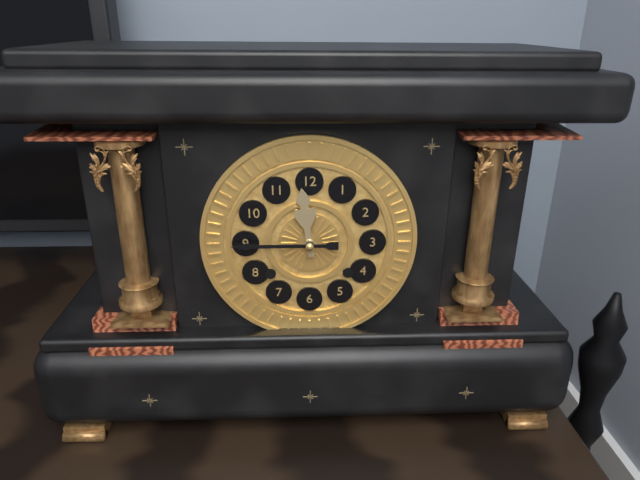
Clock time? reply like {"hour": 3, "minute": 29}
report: {"hour": 11, "minute": 45}
